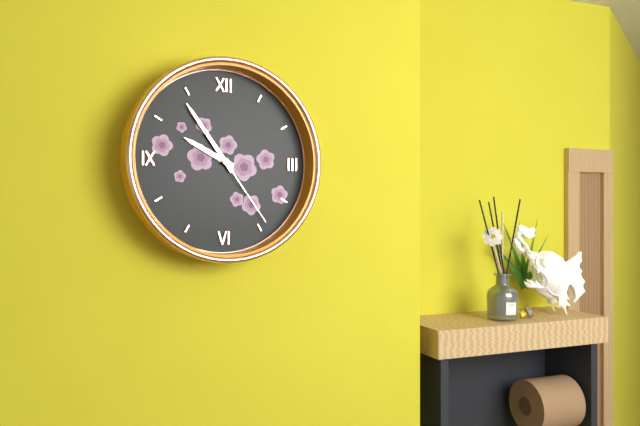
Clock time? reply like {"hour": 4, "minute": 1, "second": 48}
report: {"hour": 9, "minute": 54, "second": 24}
